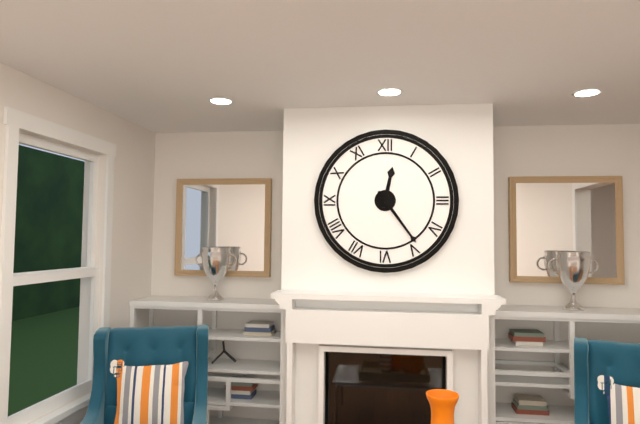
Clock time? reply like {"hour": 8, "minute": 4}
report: {"hour": 12, "minute": 24}
